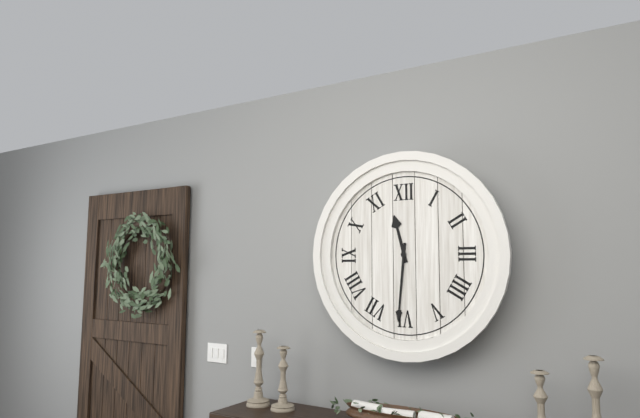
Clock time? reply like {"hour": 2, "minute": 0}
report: {"hour": 11, "minute": 31}
